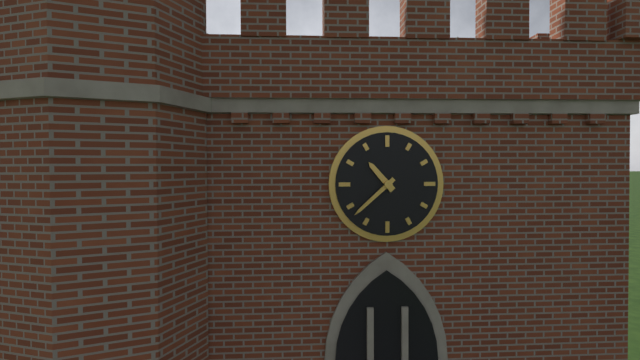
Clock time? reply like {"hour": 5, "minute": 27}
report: {"hour": 10, "minute": 38}
